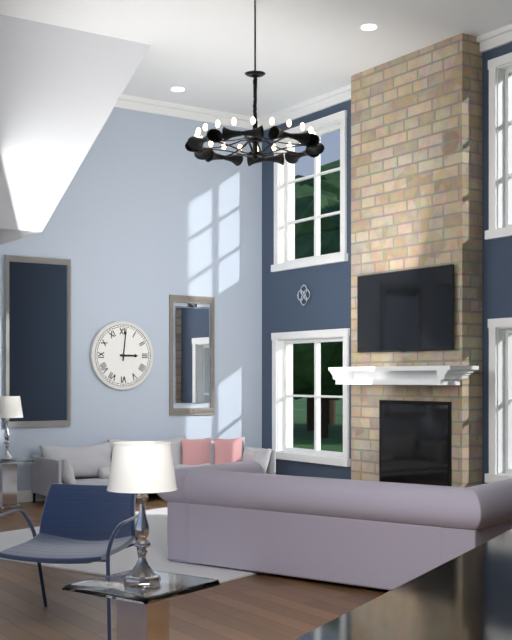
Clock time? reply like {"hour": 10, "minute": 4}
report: {"hour": 3, "minute": 1}
